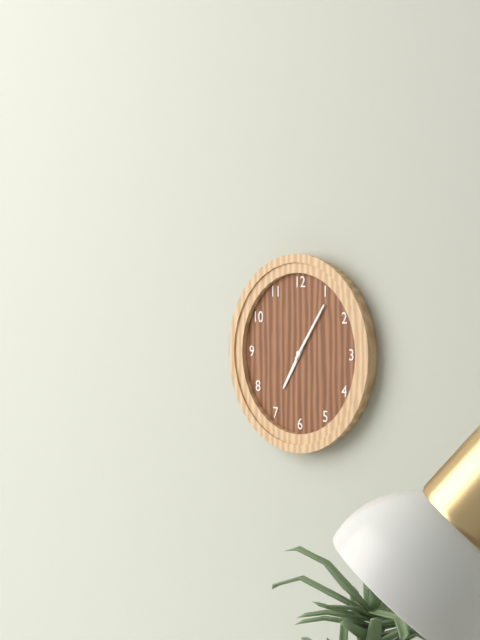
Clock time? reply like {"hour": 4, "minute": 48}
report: {"hour": 7, "minute": 6}
